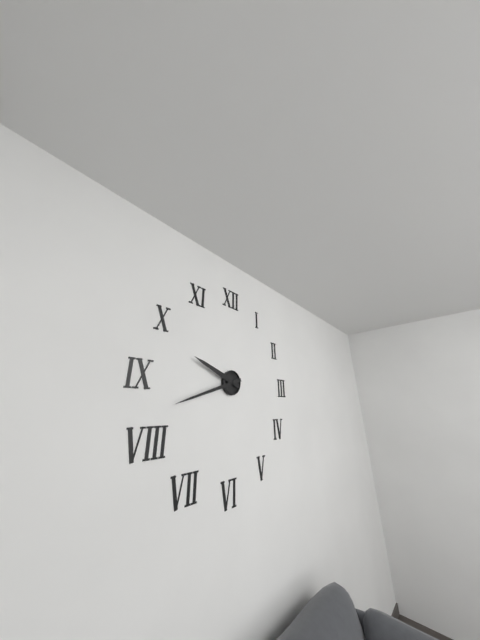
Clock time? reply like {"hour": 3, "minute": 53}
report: {"hour": 9, "minute": 42}
